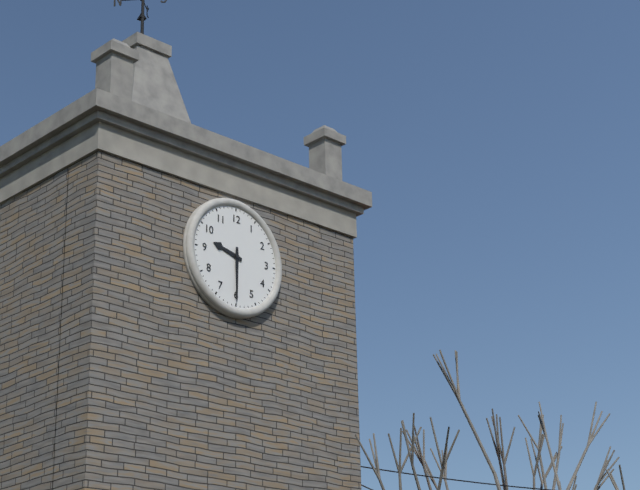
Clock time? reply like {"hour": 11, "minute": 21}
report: {"hour": 9, "minute": 30}
